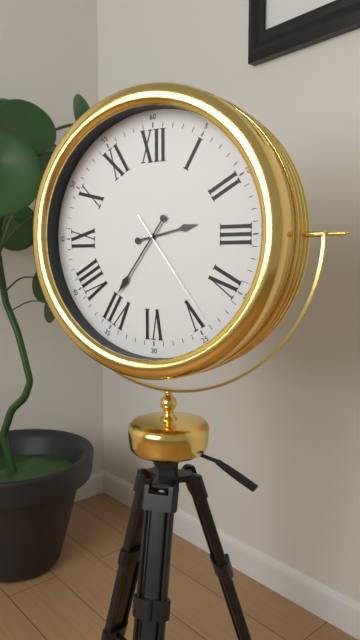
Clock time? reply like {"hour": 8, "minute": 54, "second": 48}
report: {"hour": 2, "minute": 36, "second": 24}
